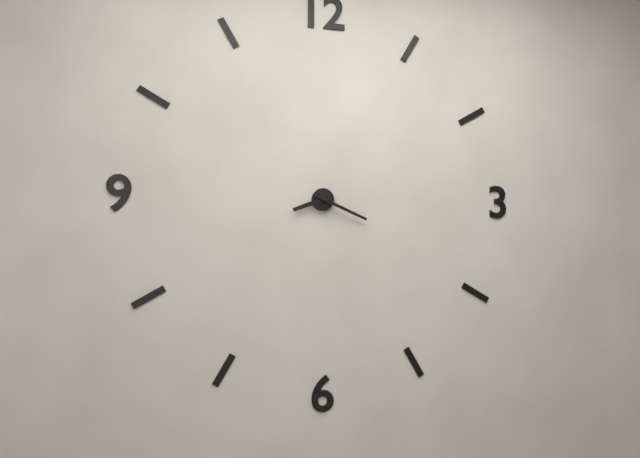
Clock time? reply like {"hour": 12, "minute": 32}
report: {"hour": 8, "minute": 19}
